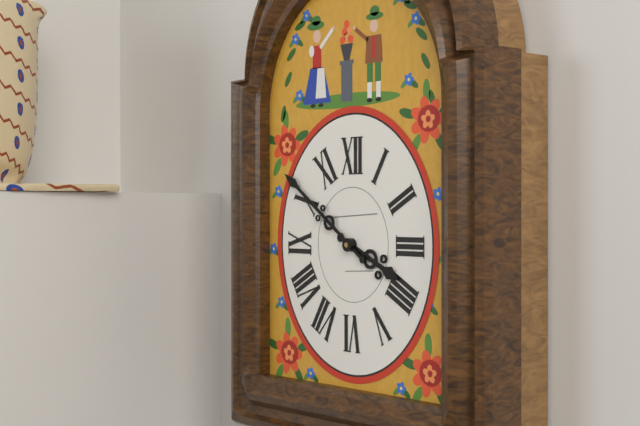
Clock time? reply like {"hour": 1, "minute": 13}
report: {"hour": 3, "minute": 51}
